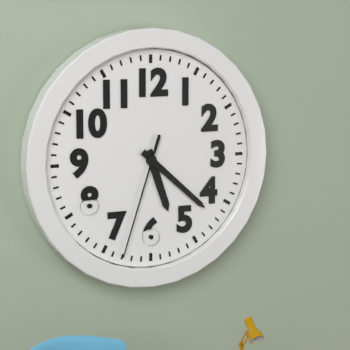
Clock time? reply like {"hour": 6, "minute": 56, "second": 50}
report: {"hour": 5, "minute": 22, "second": 33}
